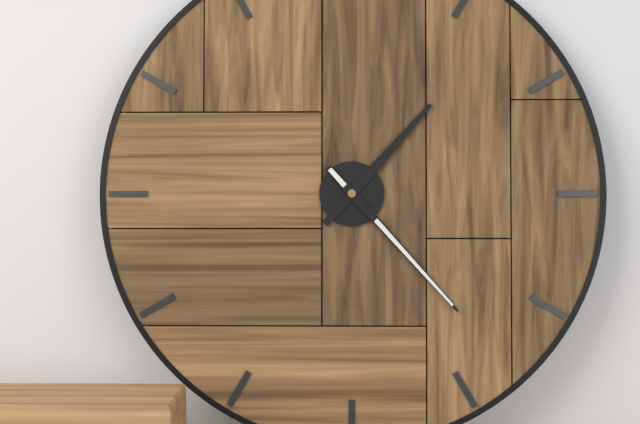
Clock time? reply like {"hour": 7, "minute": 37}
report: {"hour": 1, "minute": 23}
